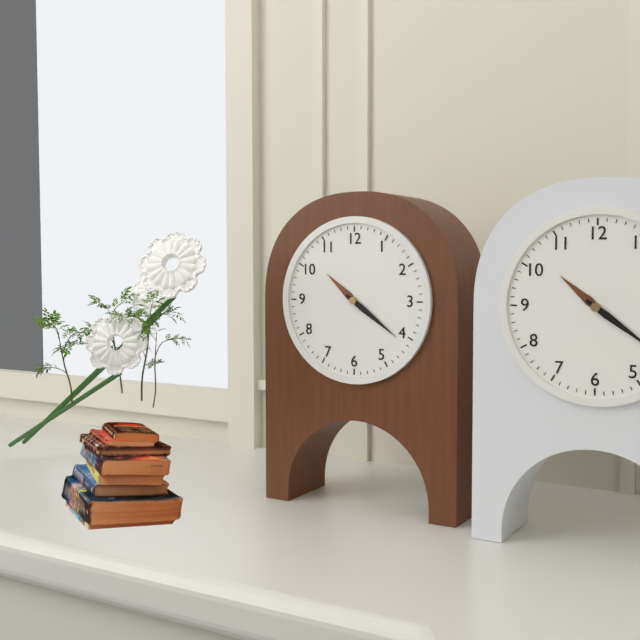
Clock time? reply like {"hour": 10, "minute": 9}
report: {"hour": 10, "minute": 21}
